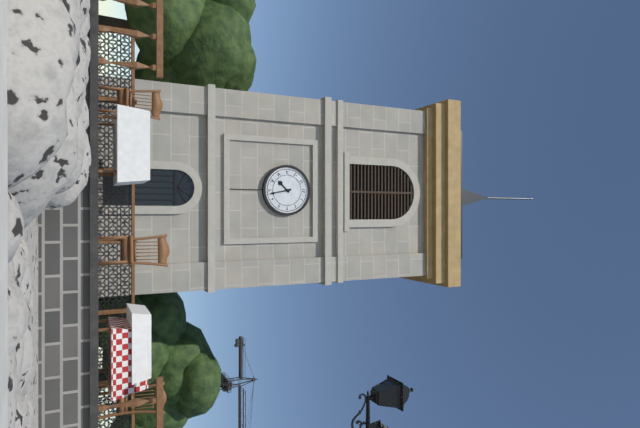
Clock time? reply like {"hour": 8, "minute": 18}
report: {"hour": 7, "minute": 28}
